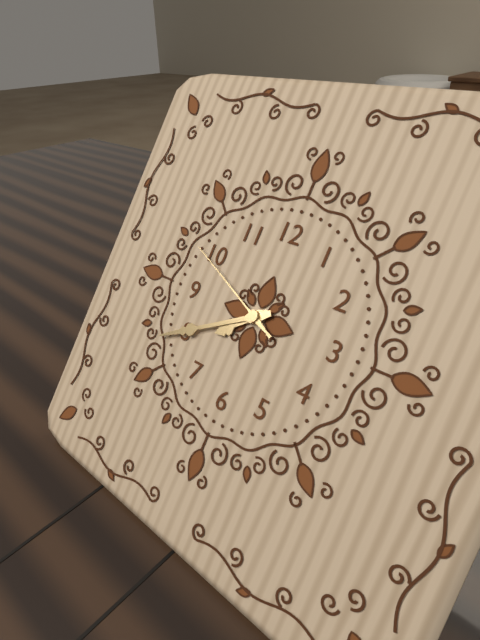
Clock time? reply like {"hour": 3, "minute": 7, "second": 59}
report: {"hour": 7, "minute": 40, "second": 49}
